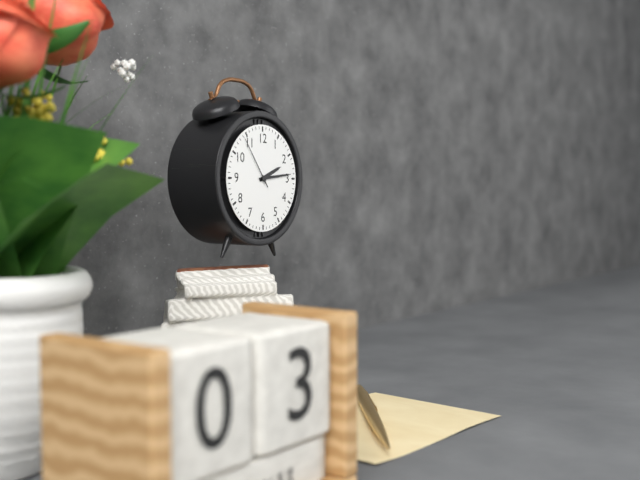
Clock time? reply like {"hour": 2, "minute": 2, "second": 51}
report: {"hour": 2, "minute": 14, "second": 54}
